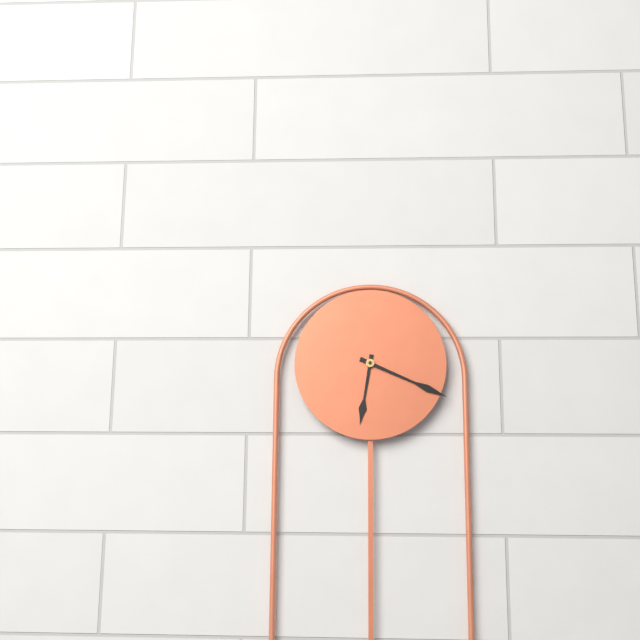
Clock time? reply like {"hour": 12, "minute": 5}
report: {"hour": 6, "minute": 19}
